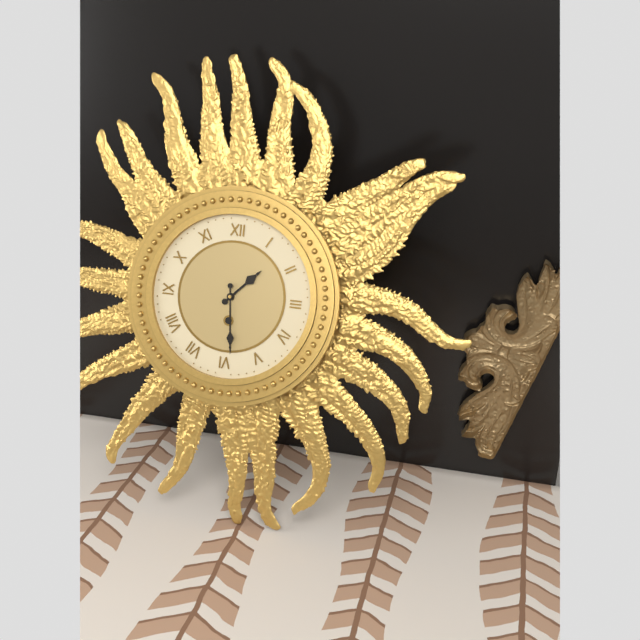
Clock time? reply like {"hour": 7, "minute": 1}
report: {"hour": 1, "minute": 29}
